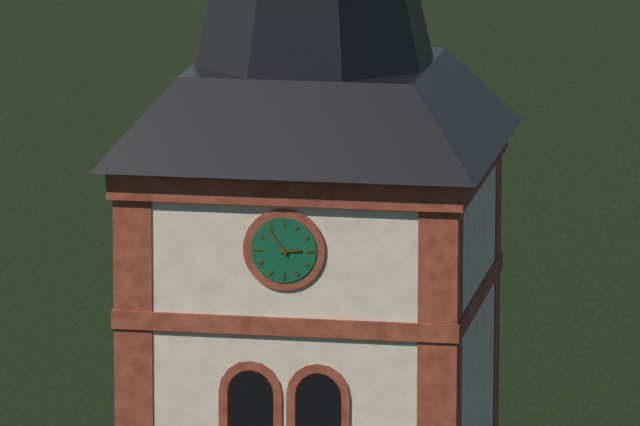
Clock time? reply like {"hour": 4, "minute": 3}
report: {"hour": 2, "minute": 54}
